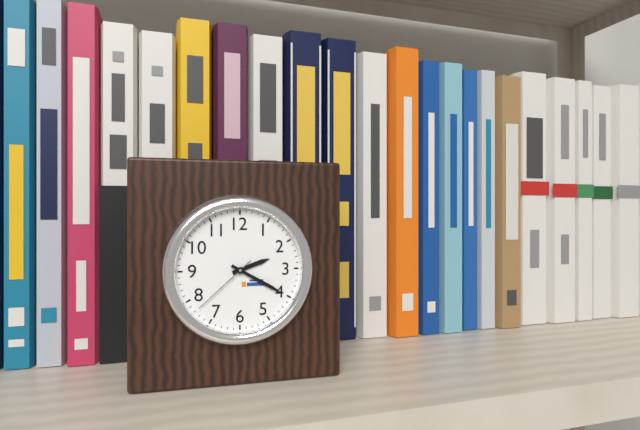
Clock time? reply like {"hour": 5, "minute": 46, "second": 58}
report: {"hour": 2, "minute": 20, "second": 38}
